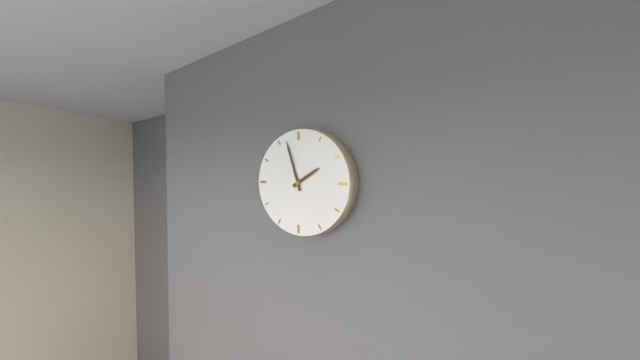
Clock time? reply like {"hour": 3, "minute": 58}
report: {"hour": 1, "minute": 57}
